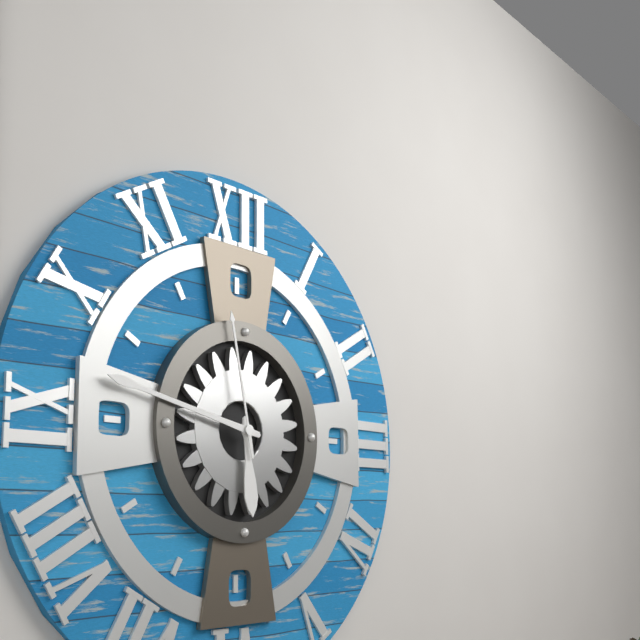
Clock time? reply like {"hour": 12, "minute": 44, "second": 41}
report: {"hour": 5, "minute": 47, "second": 58}
